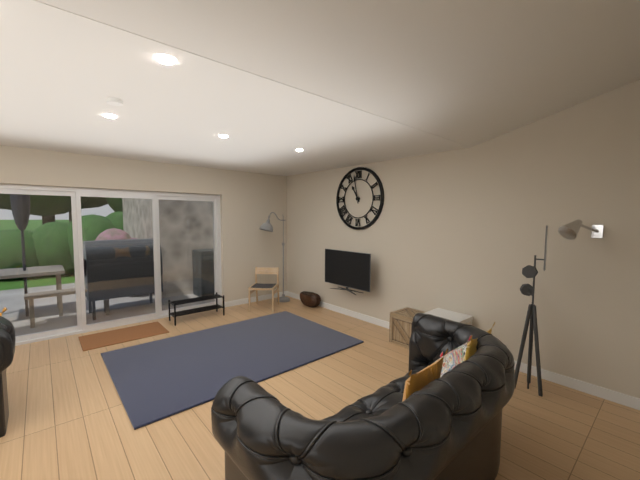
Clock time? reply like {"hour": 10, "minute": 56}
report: {"hour": 10, "minute": 58}
